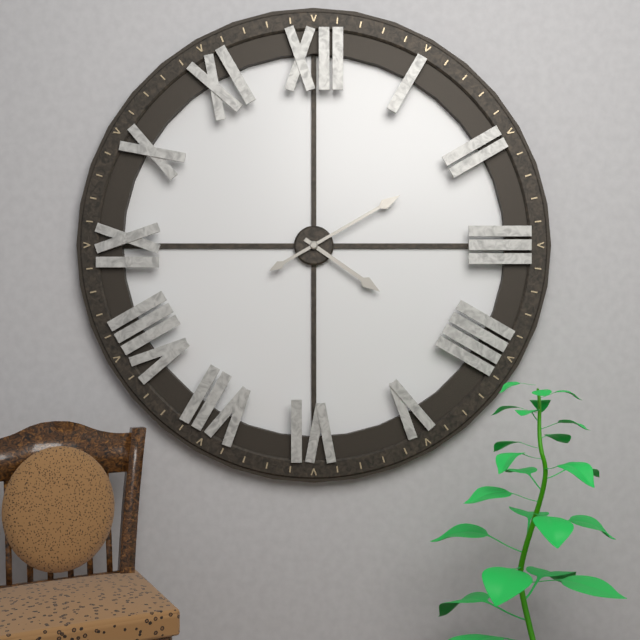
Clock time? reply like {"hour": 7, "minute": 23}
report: {"hour": 4, "minute": 10}
